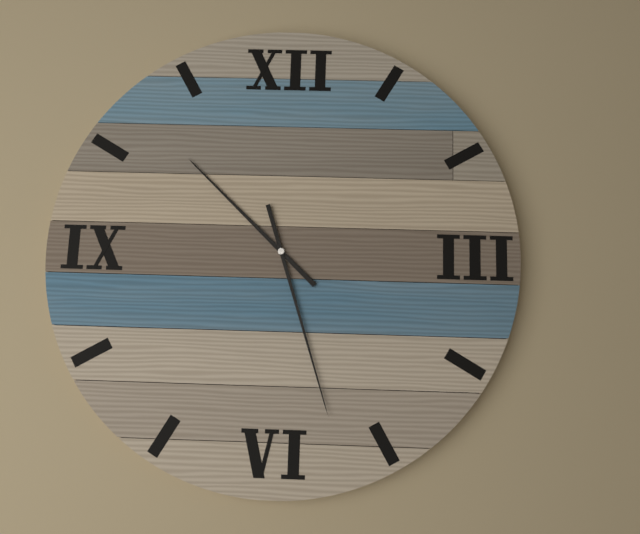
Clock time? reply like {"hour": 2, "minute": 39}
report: {"hour": 10, "minute": 27}
